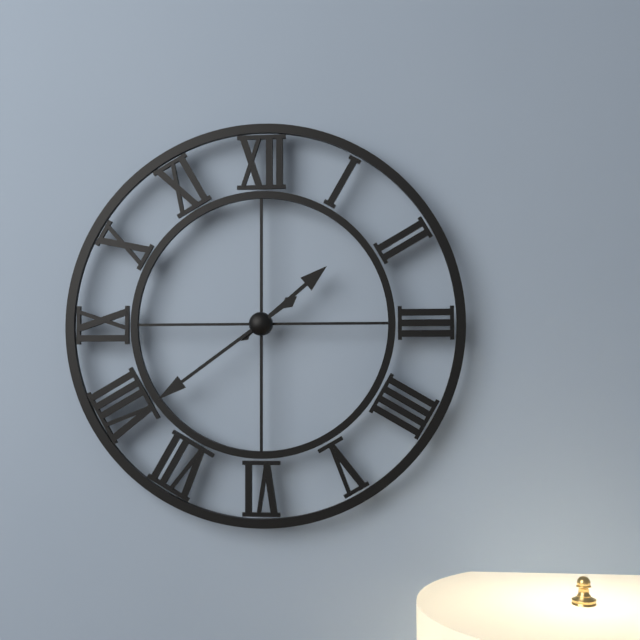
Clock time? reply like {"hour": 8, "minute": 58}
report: {"hour": 1, "minute": 39}
